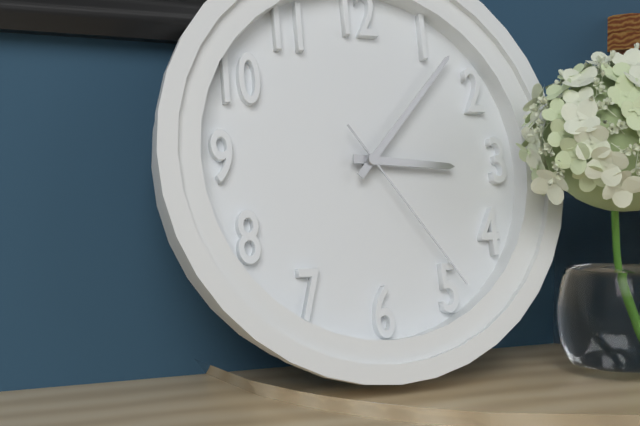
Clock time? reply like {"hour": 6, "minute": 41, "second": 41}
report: {"hour": 3, "minute": 7, "second": 24}
